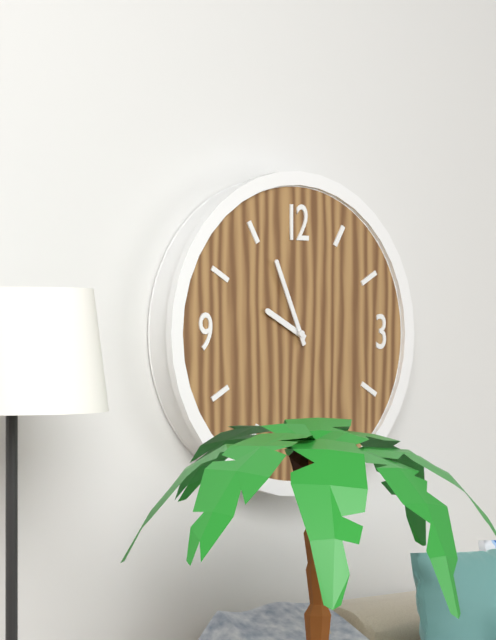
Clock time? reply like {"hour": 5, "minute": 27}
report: {"hour": 9, "minute": 56}
